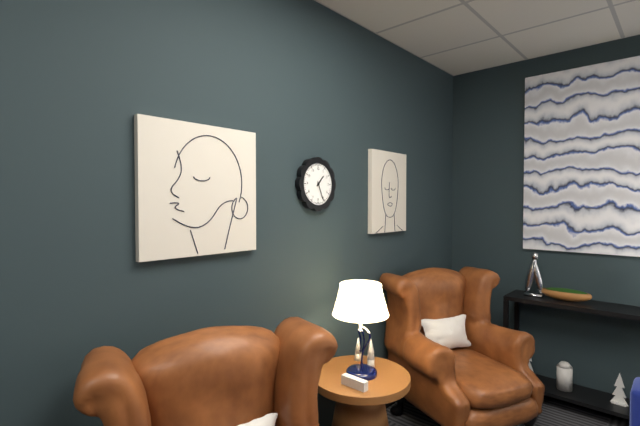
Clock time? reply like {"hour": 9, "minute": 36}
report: {"hour": 1, "minute": 26}
